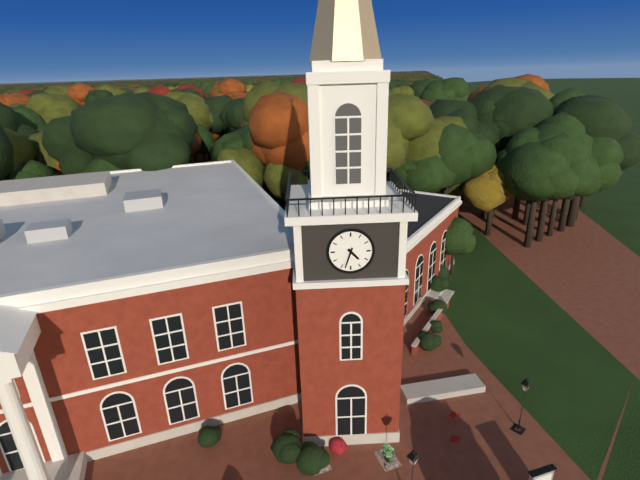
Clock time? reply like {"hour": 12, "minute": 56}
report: {"hour": 4, "minute": 33}
